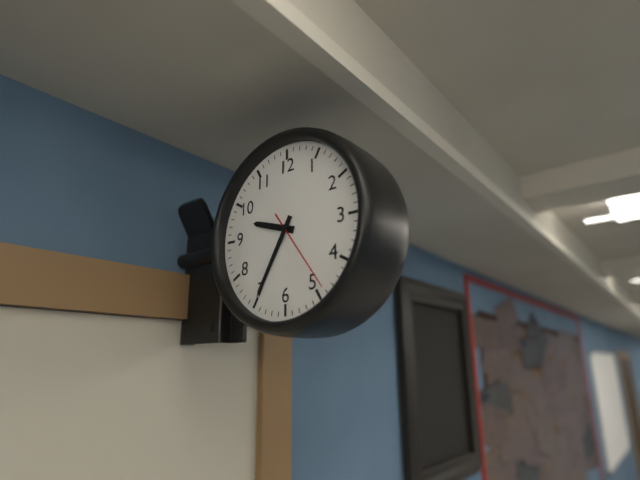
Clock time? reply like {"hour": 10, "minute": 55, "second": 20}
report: {"hour": 9, "minute": 35, "second": 24}
